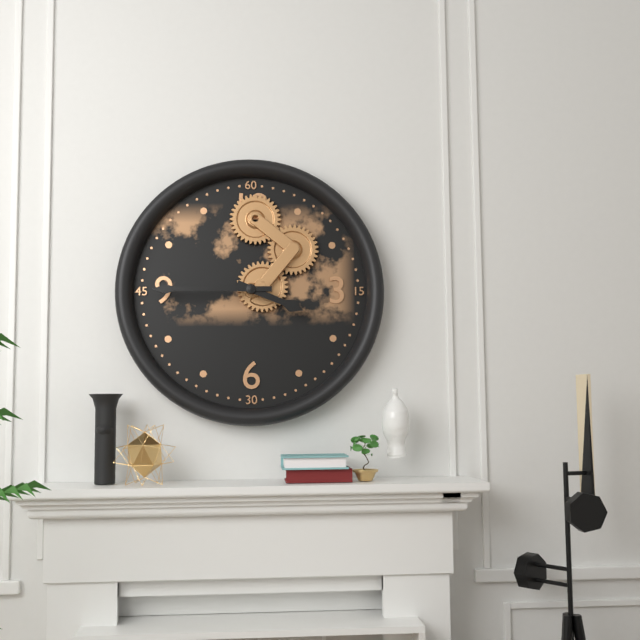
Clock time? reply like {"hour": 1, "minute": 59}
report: {"hour": 3, "minute": 45}
